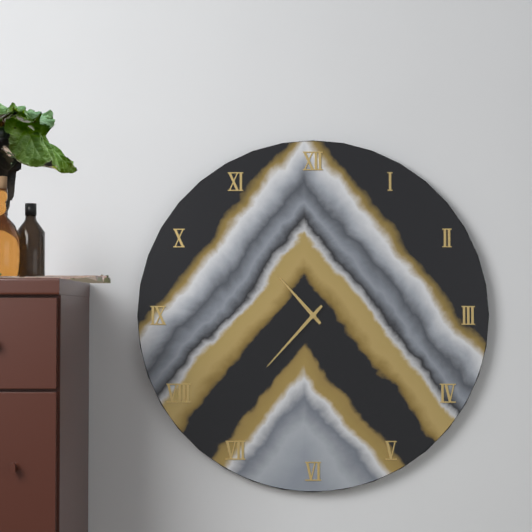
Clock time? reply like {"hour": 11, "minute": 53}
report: {"hour": 10, "minute": 37}
